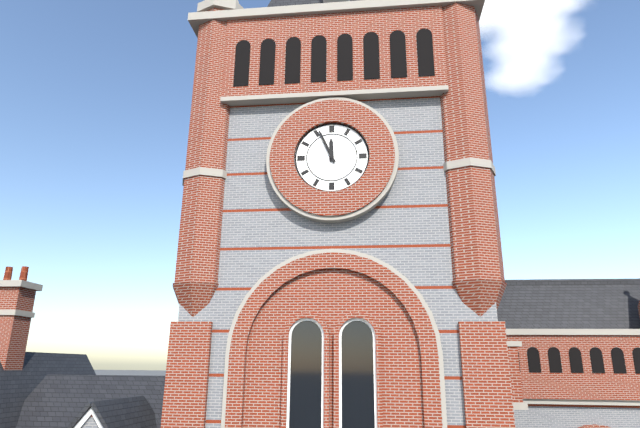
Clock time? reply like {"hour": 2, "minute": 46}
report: {"hour": 11, "minute": 56}
